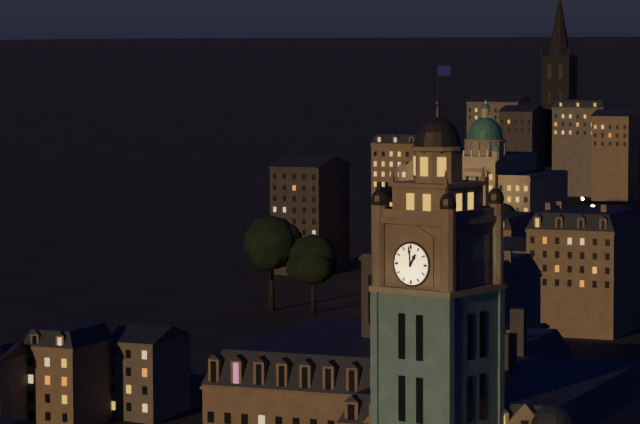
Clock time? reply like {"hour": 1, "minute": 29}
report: {"hour": 12, "minute": 59}
